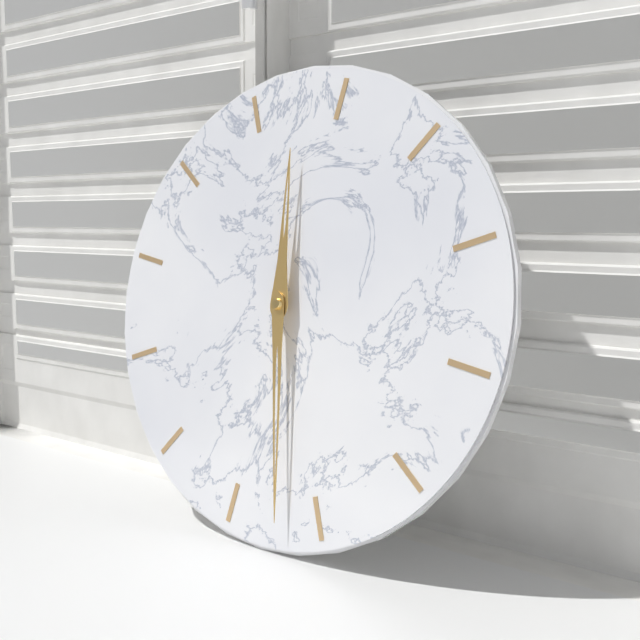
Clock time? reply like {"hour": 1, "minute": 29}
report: {"hour": 12, "minute": 32}
